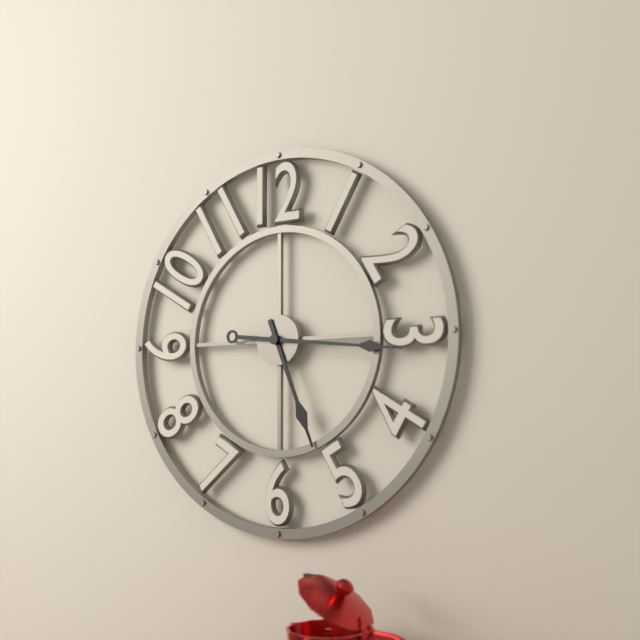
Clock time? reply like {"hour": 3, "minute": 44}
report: {"hour": 5, "minute": 16}
